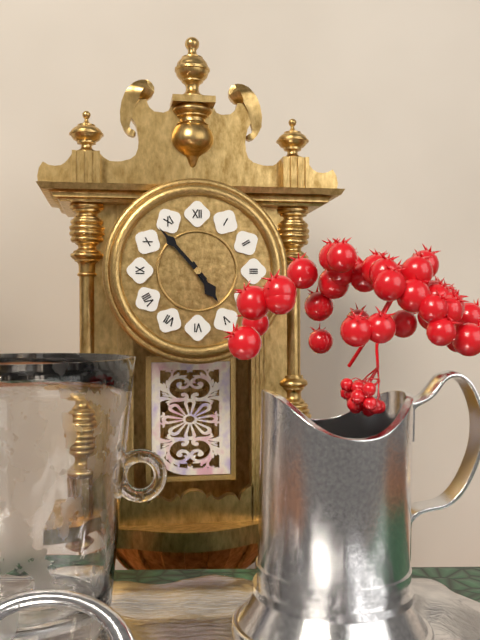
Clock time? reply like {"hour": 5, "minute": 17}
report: {"hour": 4, "minute": 53}
